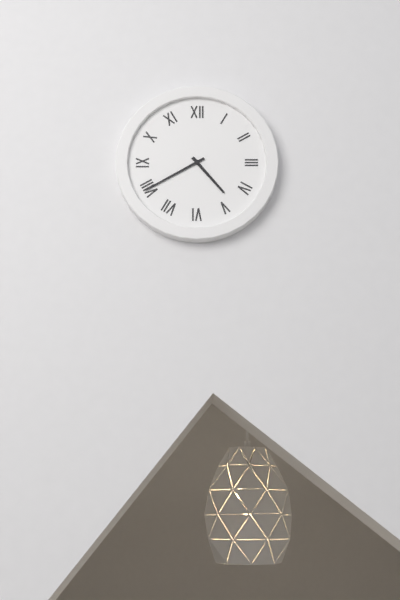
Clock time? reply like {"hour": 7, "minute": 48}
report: {"hour": 4, "minute": 40}
